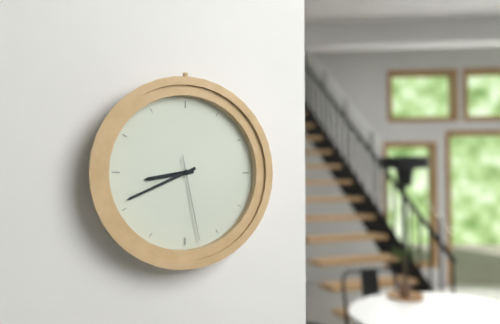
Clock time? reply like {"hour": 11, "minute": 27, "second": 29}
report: {"hour": 8, "minute": 41, "second": 28}
